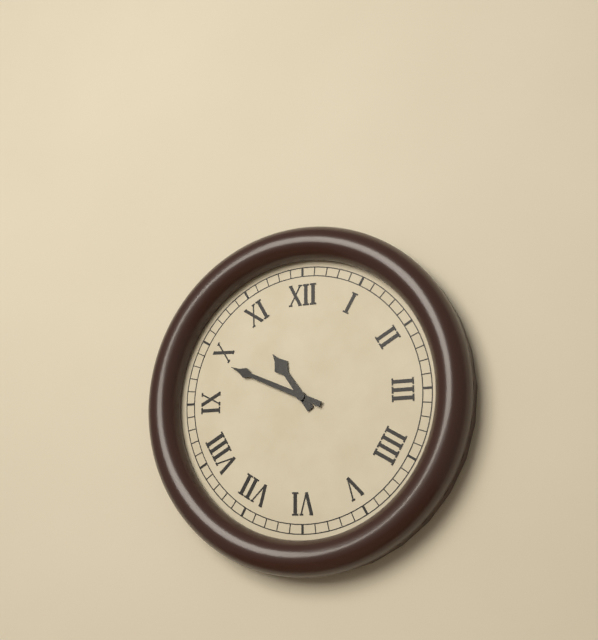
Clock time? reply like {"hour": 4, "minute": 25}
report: {"hour": 10, "minute": 49}
